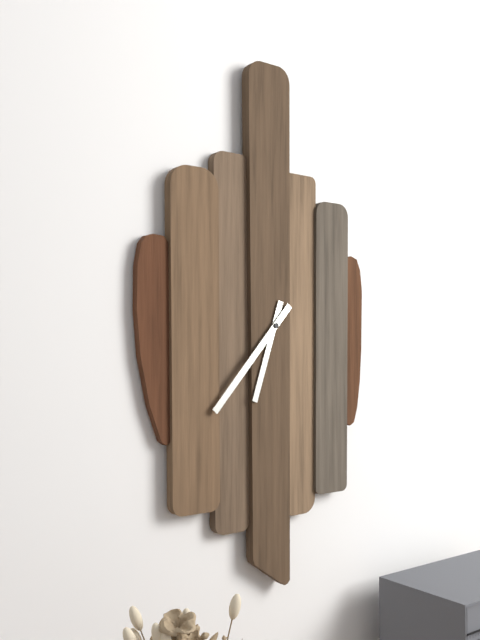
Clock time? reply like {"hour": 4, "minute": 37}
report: {"hour": 6, "minute": 37}
